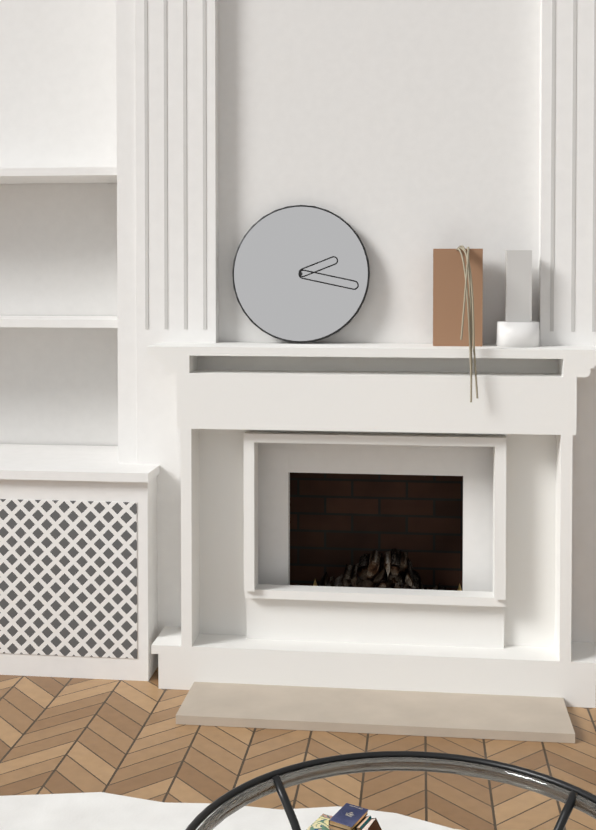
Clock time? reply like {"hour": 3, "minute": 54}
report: {"hour": 2, "minute": 17}
